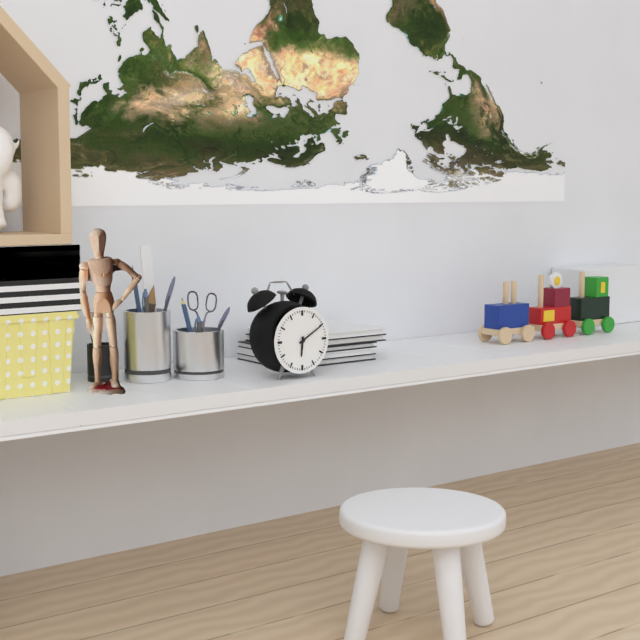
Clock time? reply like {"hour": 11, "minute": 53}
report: {"hour": 6, "minute": 10}
